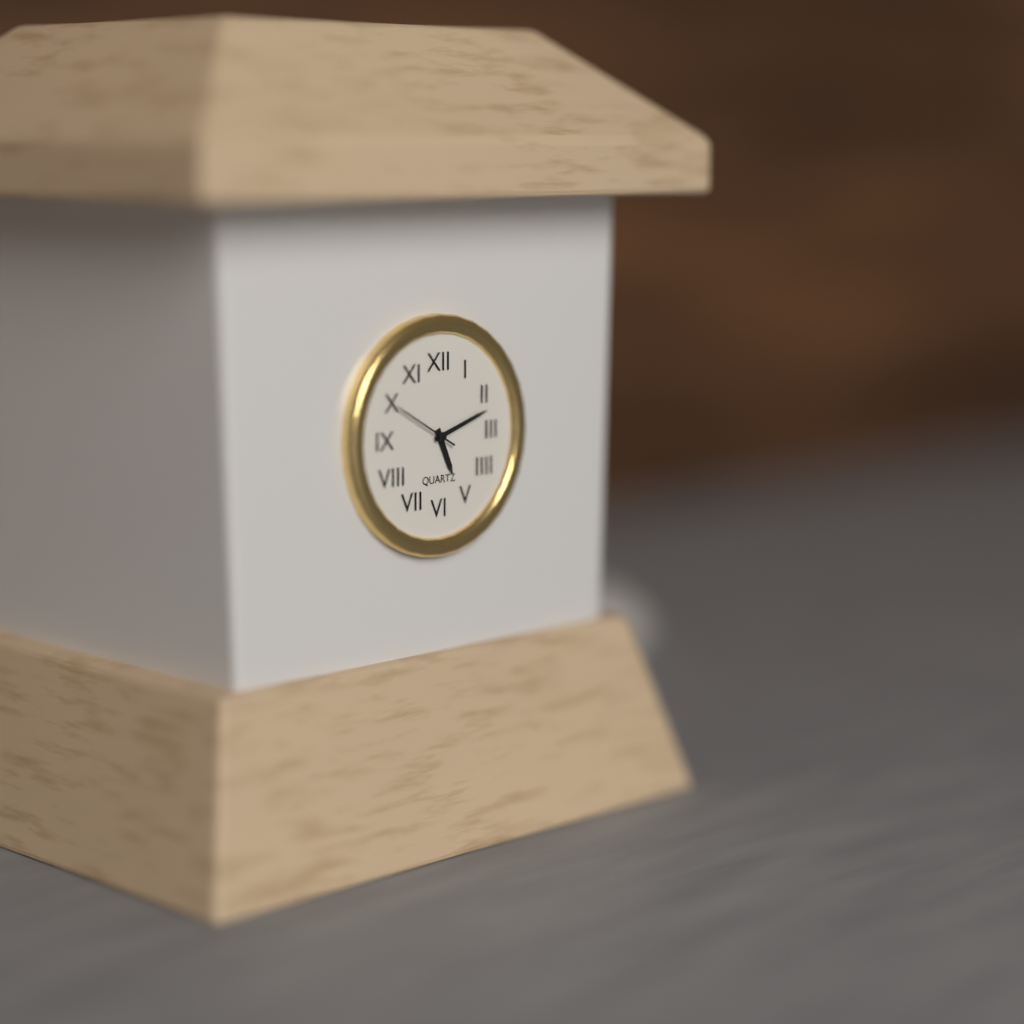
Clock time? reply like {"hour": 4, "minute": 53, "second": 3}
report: {"hour": 5, "minute": 12, "second": 50}
